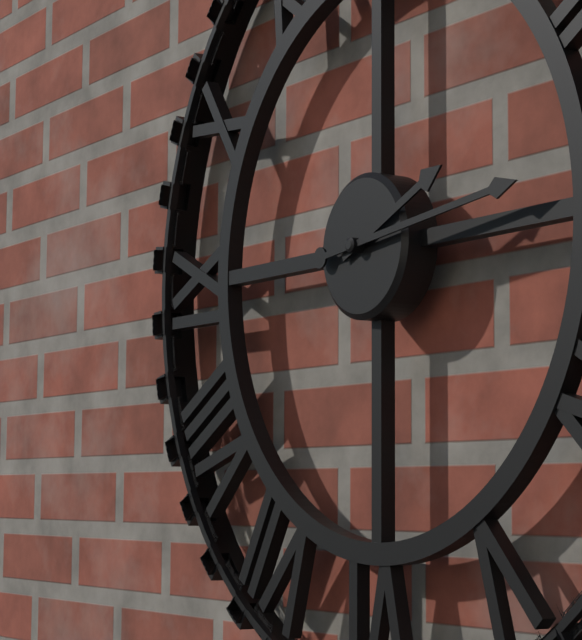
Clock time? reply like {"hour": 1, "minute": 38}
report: {"hour": 2, "minute": 14}
